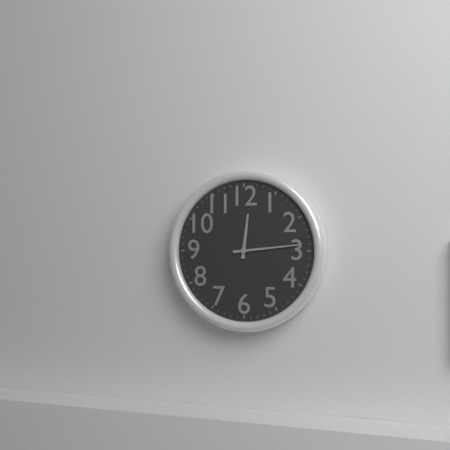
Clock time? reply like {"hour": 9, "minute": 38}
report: {"hour": 12, "minute": 14}
